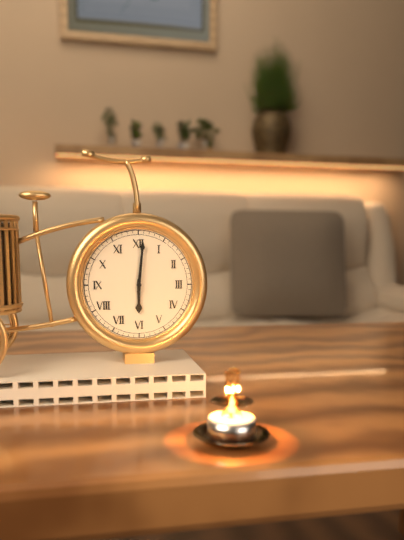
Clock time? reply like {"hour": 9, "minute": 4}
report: {"hour": 6, "minute": 1}
